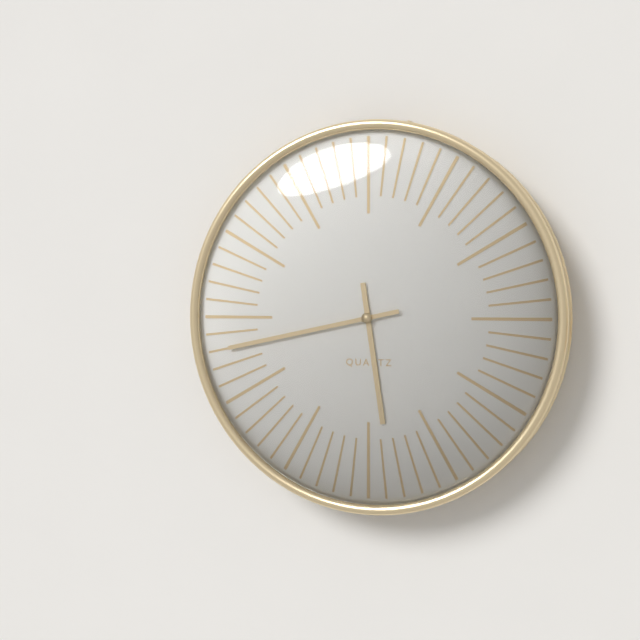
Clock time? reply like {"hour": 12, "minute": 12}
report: {"hour": 5, "minute": 43}
